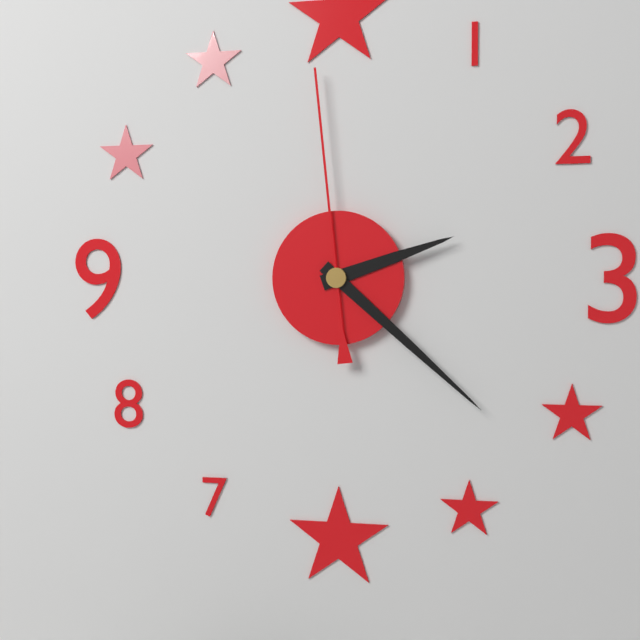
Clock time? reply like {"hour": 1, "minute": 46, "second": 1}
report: {"hour": 2, "minute": 22, "second": 59}
